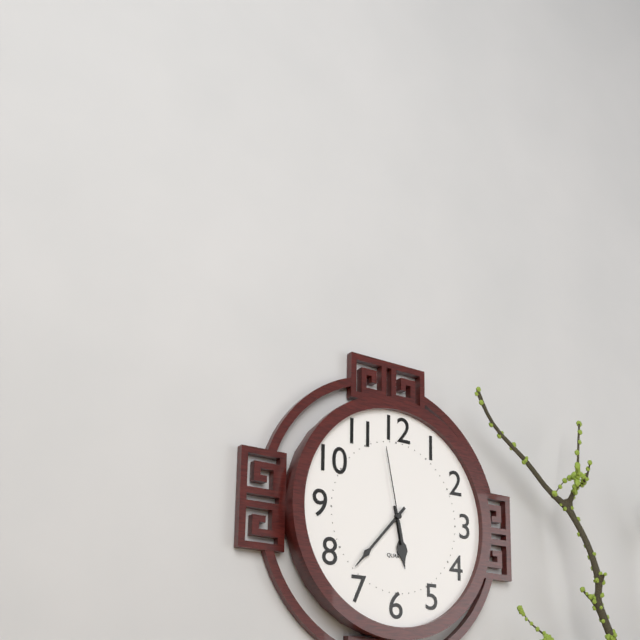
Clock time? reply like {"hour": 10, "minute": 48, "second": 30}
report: {"hour": 5, "minute": 37, "second": 58}
